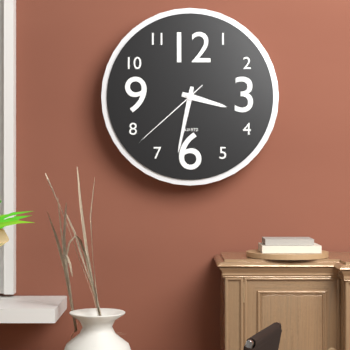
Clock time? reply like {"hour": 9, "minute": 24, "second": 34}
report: {"hour": 3, "minute": 32, "second": 38}
